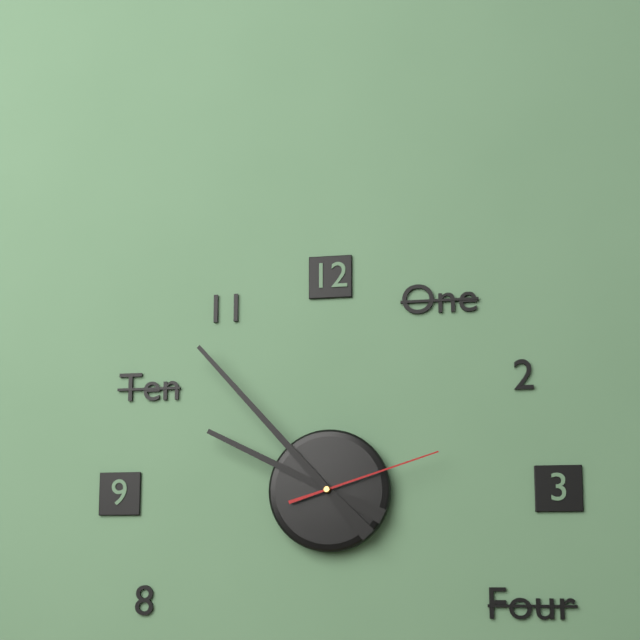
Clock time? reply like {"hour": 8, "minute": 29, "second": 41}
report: {"hour": 9, "minute": 53, "second": 12}
